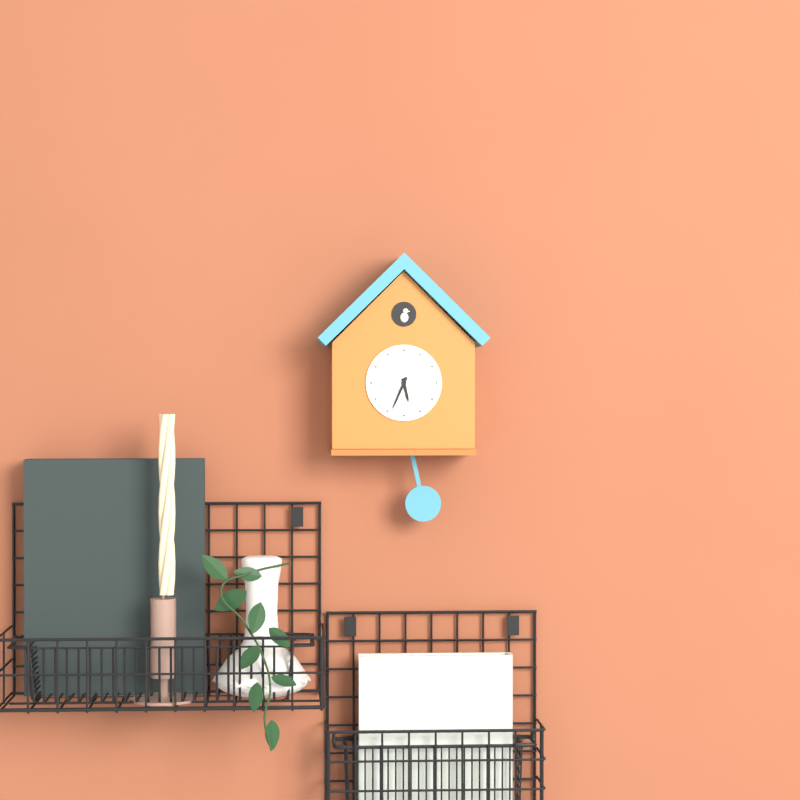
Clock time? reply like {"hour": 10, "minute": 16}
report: {"hour": 5, "minute": 34}
